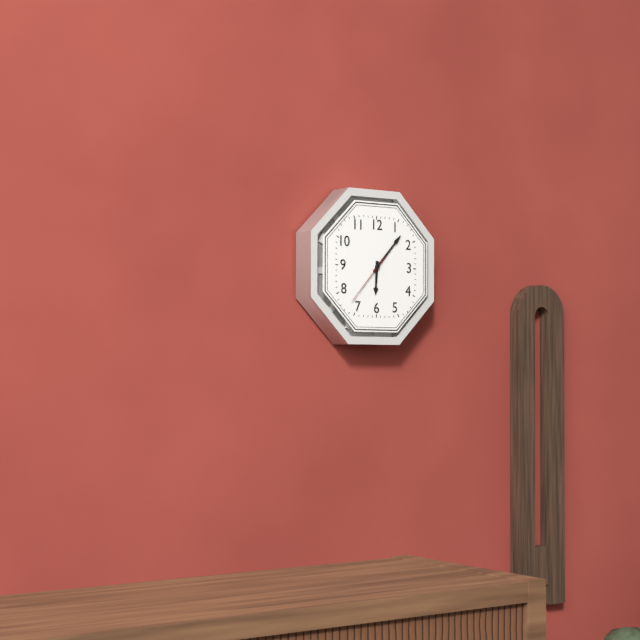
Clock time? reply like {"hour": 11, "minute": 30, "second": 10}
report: {"hour": 6, "minute": 7, "second": 37}
